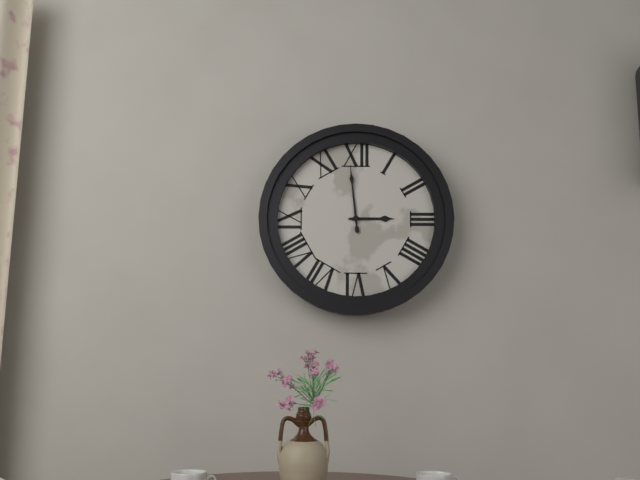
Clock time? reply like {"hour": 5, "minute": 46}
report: {"hour": 2, "minute": 59}
